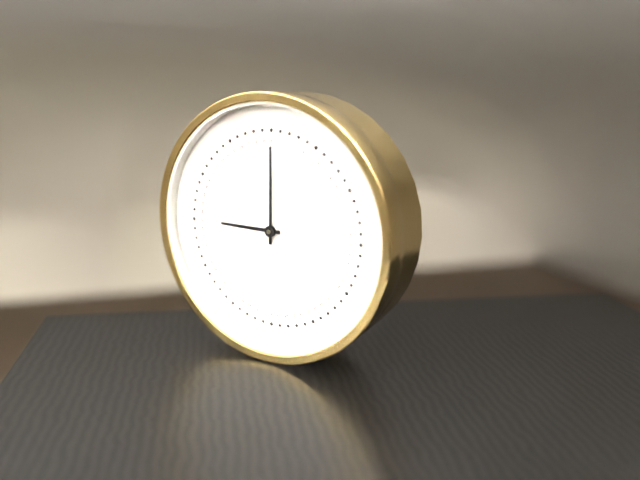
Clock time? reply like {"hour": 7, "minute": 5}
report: {"hour": 9, "minute": 0}
